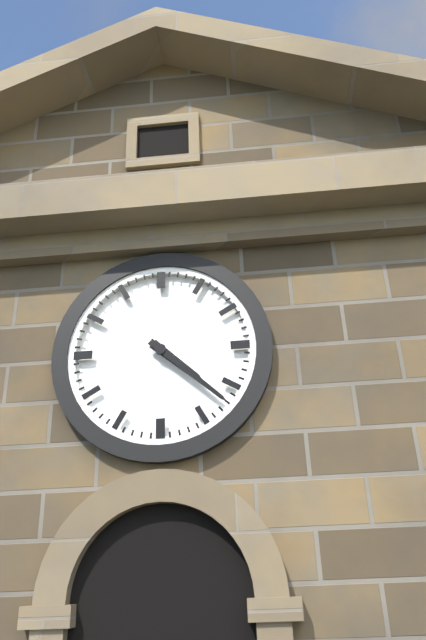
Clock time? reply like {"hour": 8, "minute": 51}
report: {"hour": 4, "minute": 22}
